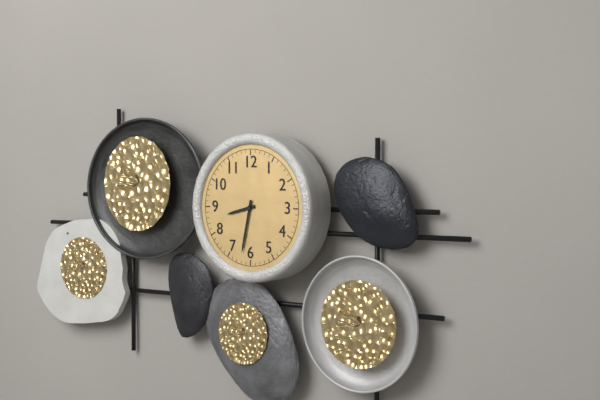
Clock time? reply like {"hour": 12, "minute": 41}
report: {"hour": 8, "minute": 32}
